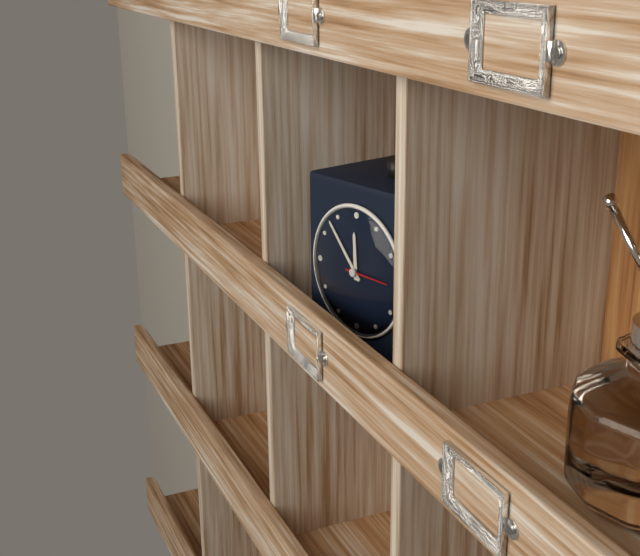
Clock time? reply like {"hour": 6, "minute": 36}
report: {"hour": 11, "minute": 53}
